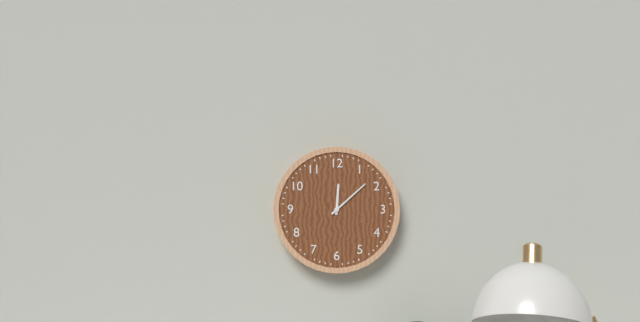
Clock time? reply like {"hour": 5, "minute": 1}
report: {"hour": 12, "minute": 8}
